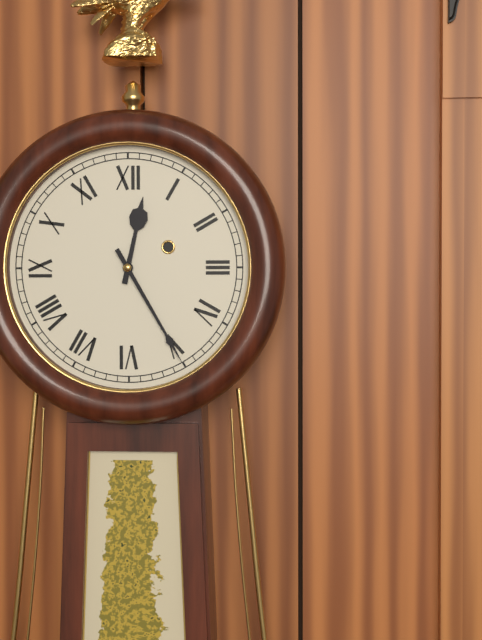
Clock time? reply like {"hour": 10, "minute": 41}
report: {"hour": 12, "minute": 25}
